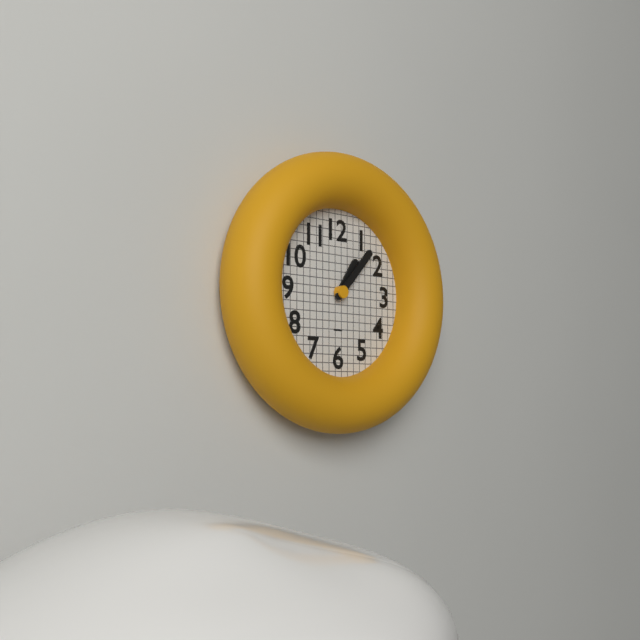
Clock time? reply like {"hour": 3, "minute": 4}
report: {"hour": 1, "minute": 7}
